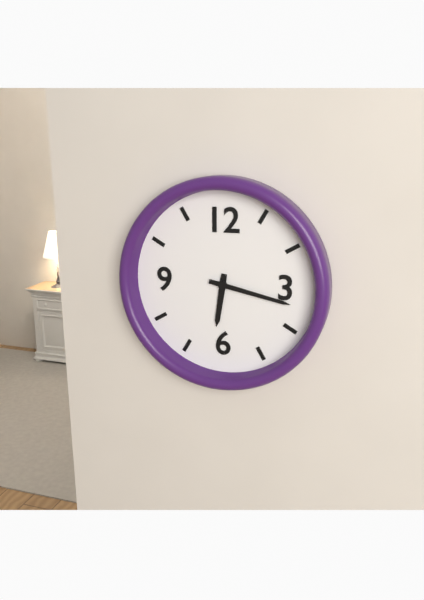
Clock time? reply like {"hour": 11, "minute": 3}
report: {"hour": 6, "minute": 17}
